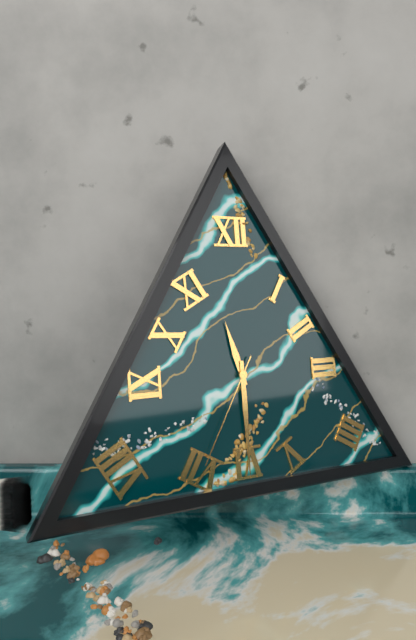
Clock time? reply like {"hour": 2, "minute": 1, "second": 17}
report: {"hour": 11, "minute": 30, "second": 35}
